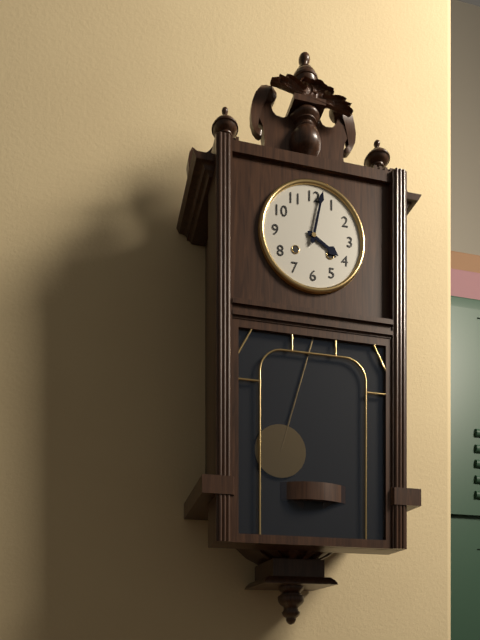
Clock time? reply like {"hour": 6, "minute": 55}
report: {"hour": 4, "minute": 2}
